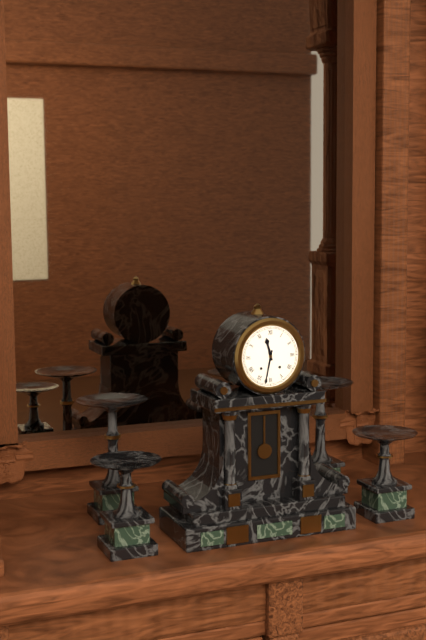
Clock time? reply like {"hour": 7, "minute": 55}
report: {"hour": 11, "minute": 32}
